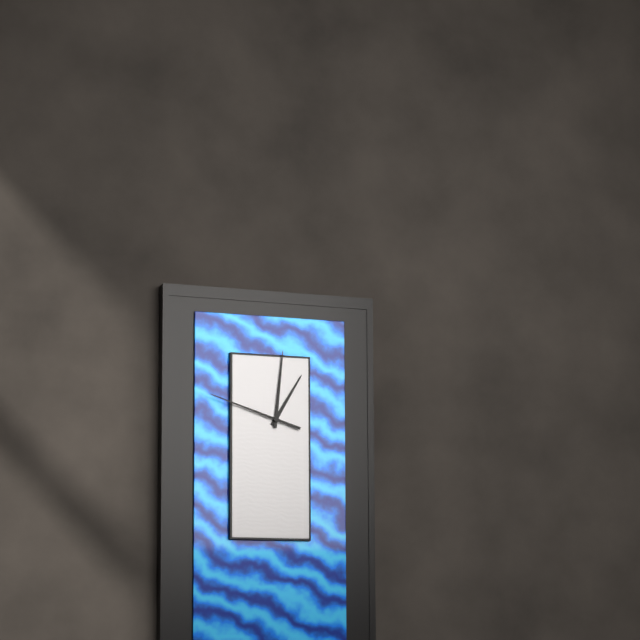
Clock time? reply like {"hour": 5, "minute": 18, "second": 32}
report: {"hour": 1, "minute": 1, "second": 48}
